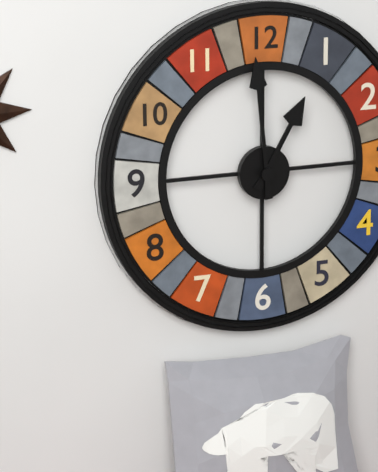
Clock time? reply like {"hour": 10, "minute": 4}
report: {"hour": 12, "minute": 59}
